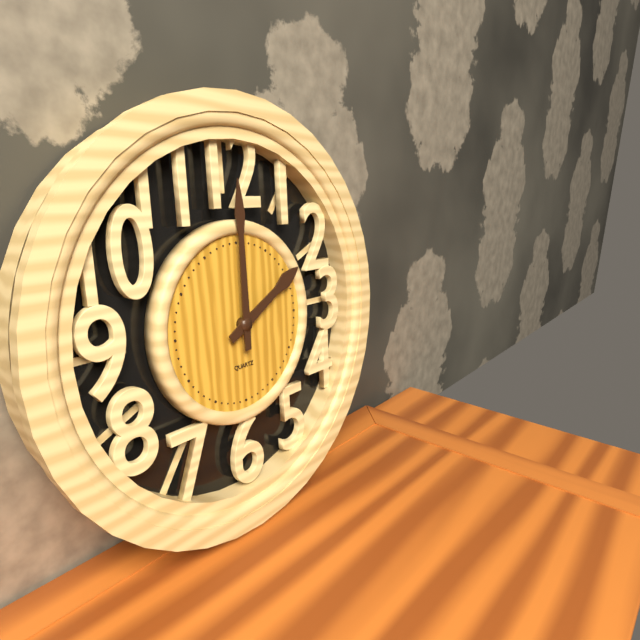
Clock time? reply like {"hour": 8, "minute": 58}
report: {"hour": 2, "minute": 0}
